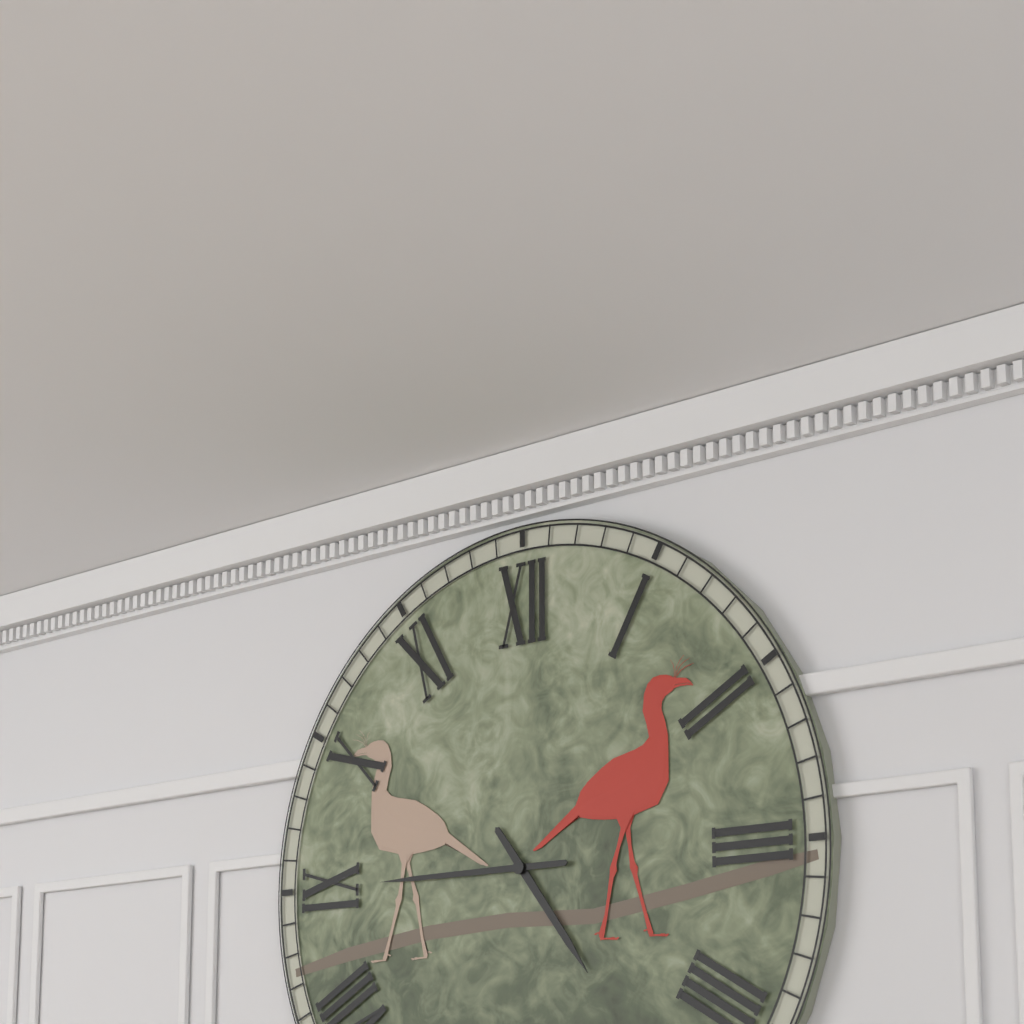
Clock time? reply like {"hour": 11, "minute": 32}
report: {"hour": 4, "minute": 45}
